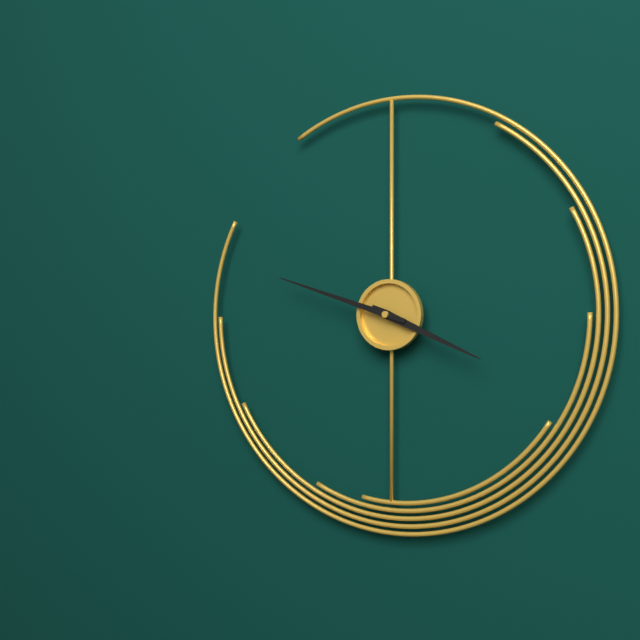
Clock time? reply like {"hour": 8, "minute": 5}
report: {"hour": 3, "minute": 48}
